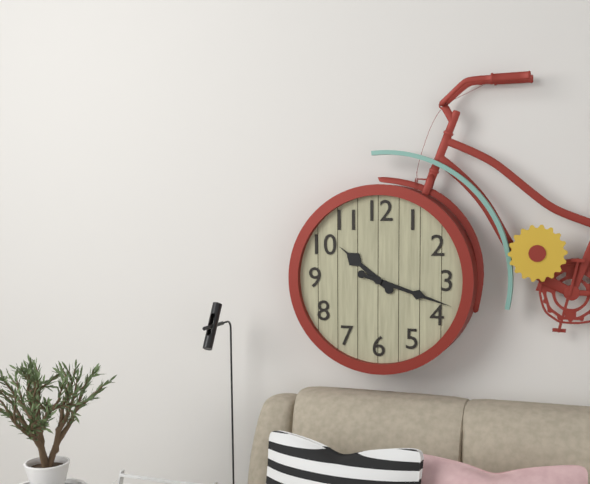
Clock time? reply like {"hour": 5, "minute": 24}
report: {"hour": 10, "minute": 18}
